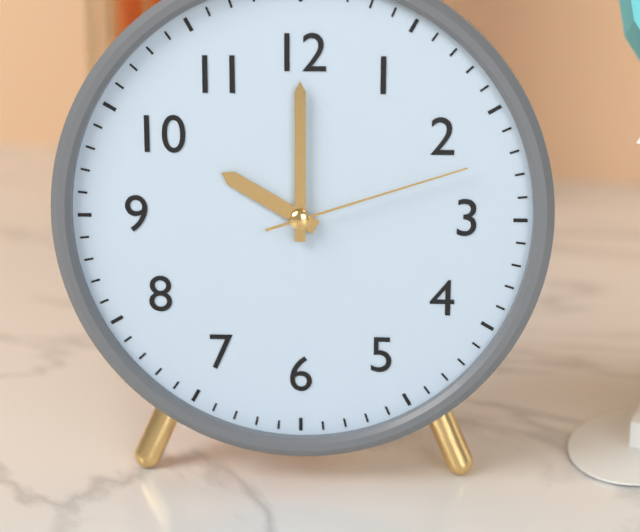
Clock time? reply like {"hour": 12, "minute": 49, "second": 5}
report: {"hour": 10, "minute": 0, "second": 12}
